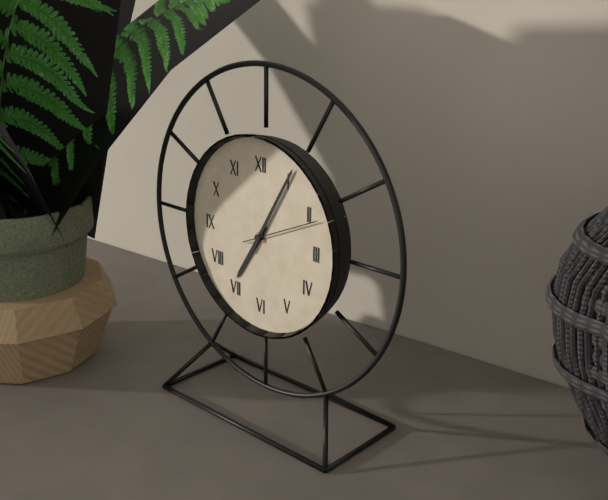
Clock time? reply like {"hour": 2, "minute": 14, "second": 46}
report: {"hour": 7, "minute": 5, "second": 11}
